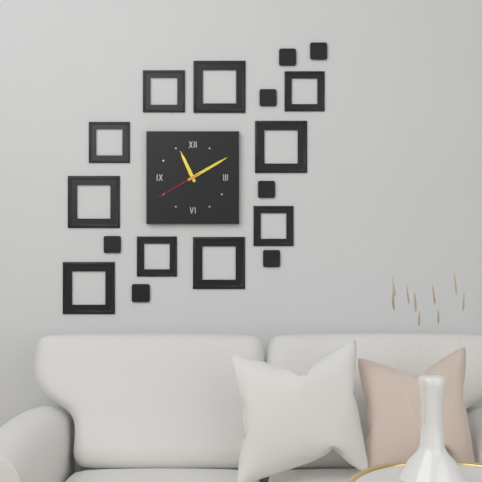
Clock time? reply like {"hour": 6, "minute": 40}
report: {"hour": 11, "minute": 10}
